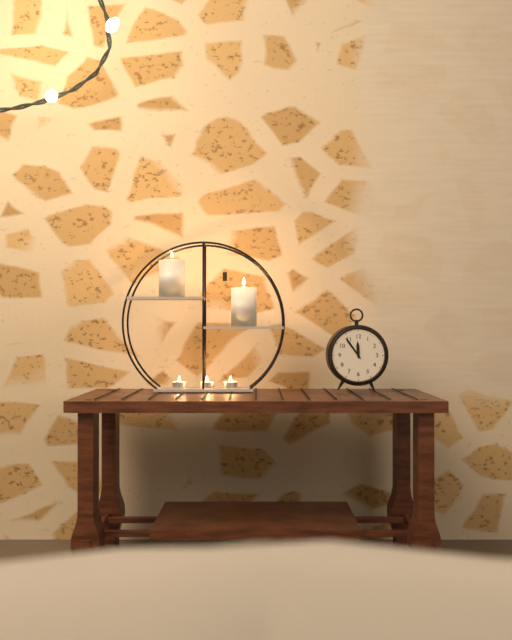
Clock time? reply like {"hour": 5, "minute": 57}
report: {"hour": 11, "minute": 54}
